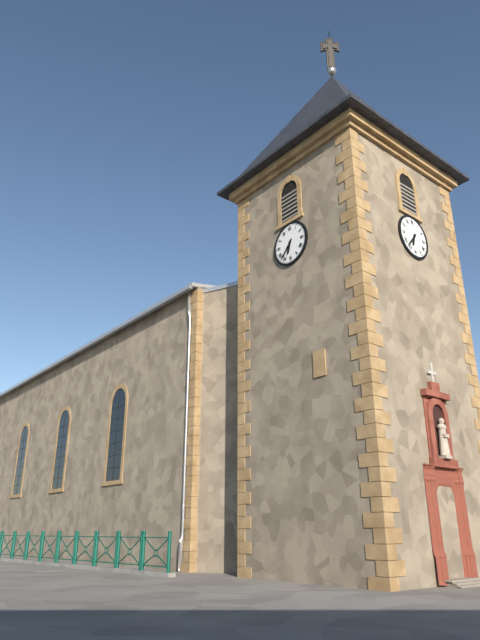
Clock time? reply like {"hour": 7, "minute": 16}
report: {"hour": 6, "minute": 37}
